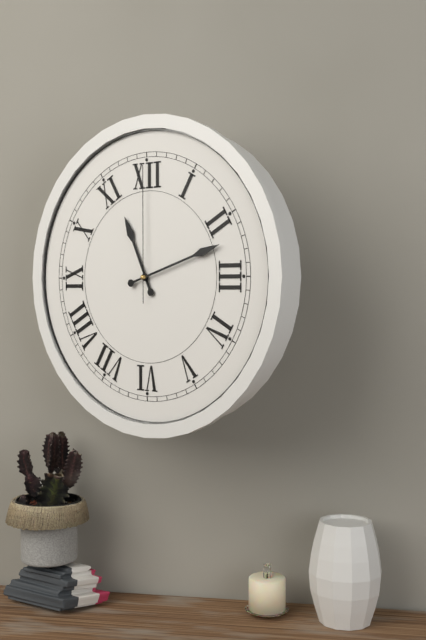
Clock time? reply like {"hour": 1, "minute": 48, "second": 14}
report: {"hour": 11, "minute": 12, "second": 0}
